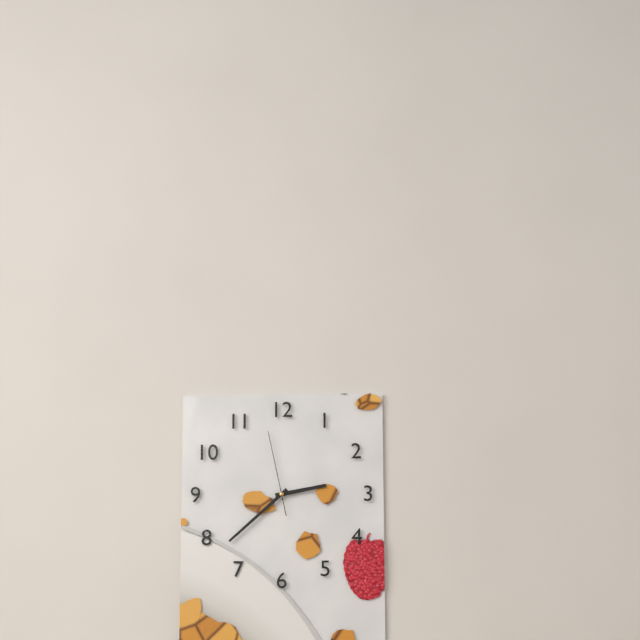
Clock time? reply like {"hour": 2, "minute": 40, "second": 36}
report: {"hour": 2, "minute": 38, "second": 58}
